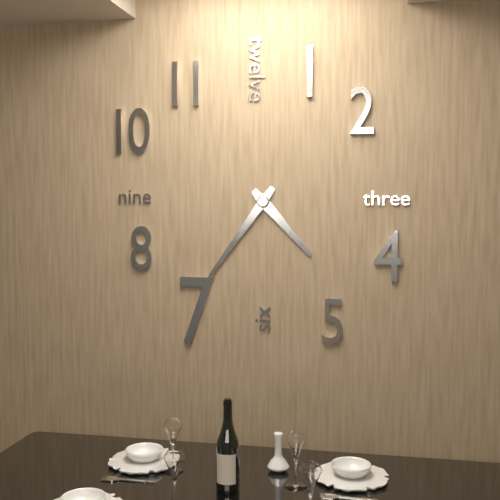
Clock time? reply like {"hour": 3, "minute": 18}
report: {"hour": 4, "minute": 36}
